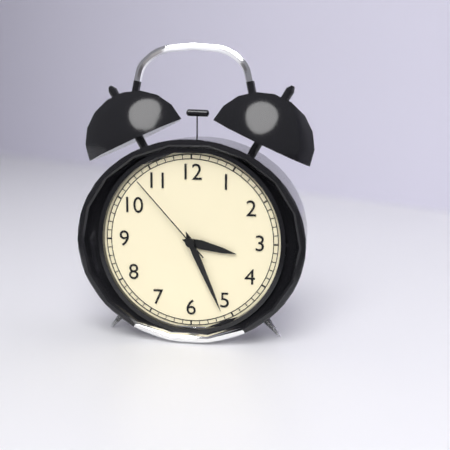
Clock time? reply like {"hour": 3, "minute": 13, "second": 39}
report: {"hour": 3, "minute": 26, "second": 53}
